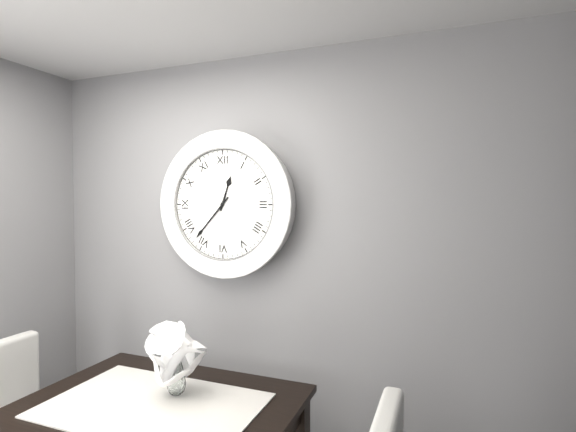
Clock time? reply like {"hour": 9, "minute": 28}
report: {"hour": 12, "minute": 37}
